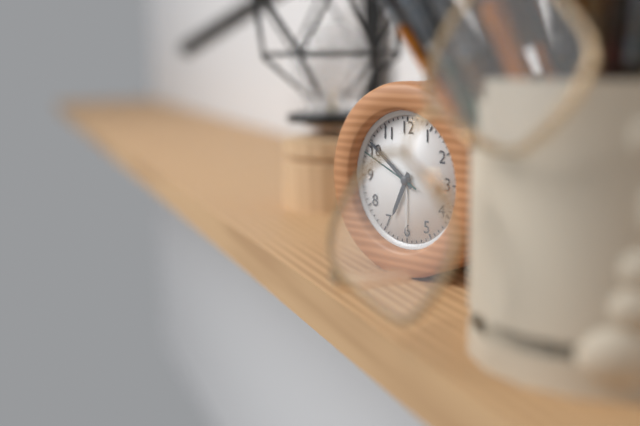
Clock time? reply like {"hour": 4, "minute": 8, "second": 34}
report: {"hour": 6, "minute": 51, "second": 49}
